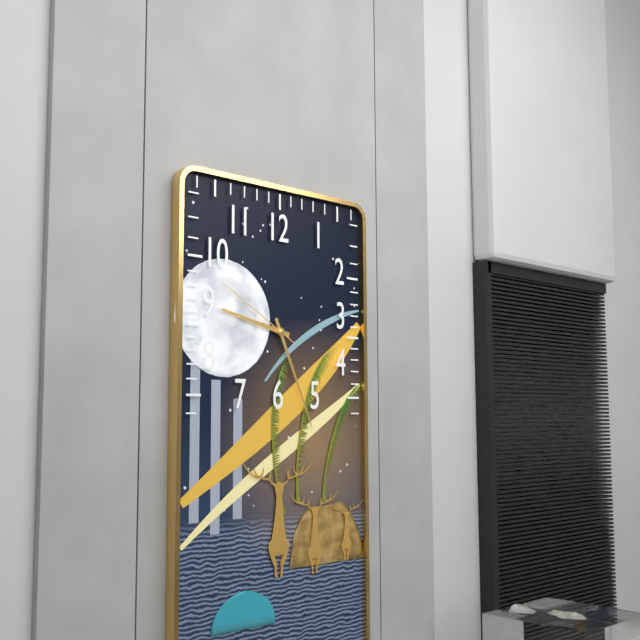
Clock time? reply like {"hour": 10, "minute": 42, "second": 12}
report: {"hour": 9, "minute": 26, "second": 50}
